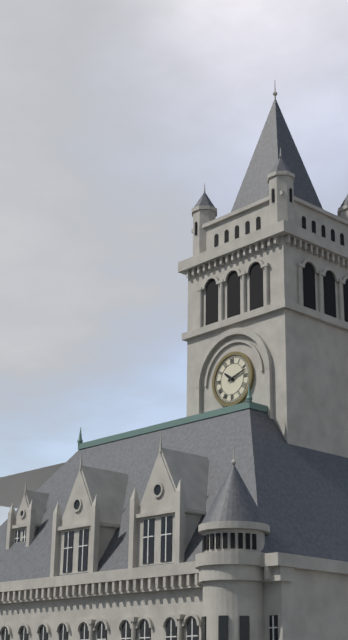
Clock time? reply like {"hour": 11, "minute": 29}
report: {"hour": 10, "minute": 12}
